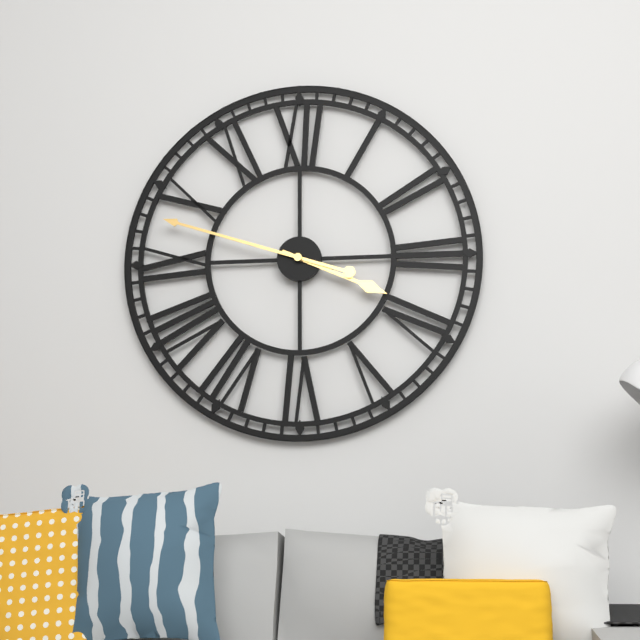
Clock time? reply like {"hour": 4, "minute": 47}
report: {"hour": 3, "minute": 48}
